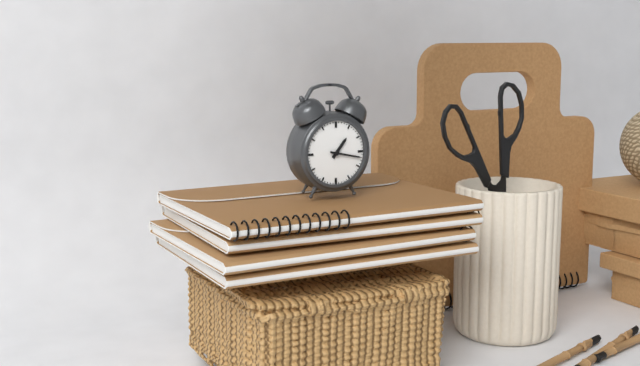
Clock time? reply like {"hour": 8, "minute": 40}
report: {"hour": 1, "minute": 17}
